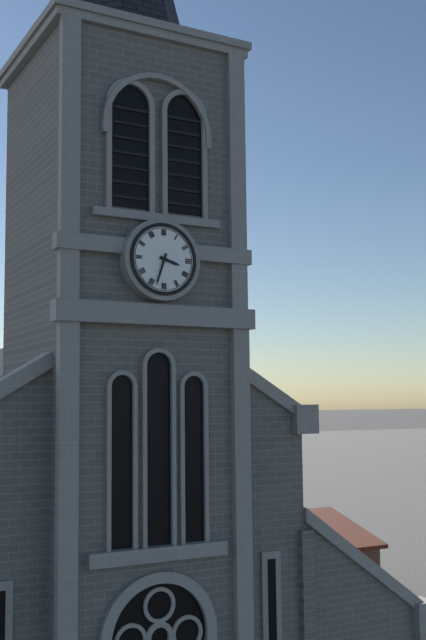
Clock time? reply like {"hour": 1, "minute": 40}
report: {"hour": 3, "minute": 33}
